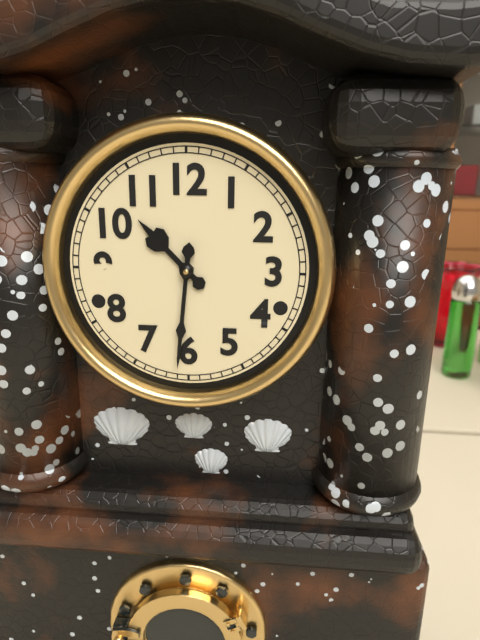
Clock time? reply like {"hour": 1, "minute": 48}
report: {"hour": 10, "minute": 31}
